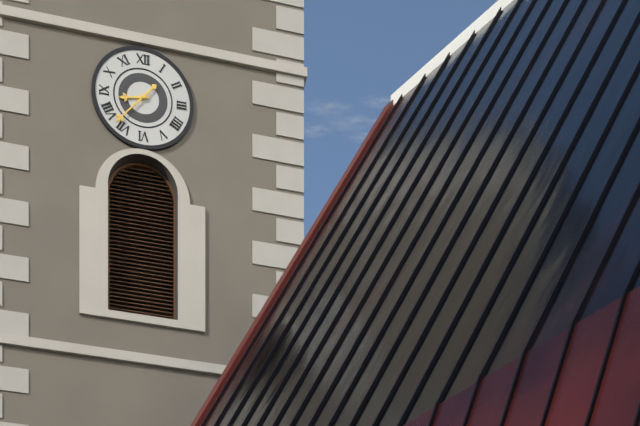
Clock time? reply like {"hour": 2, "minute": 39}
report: {"hour": 8, "minute": 37}
